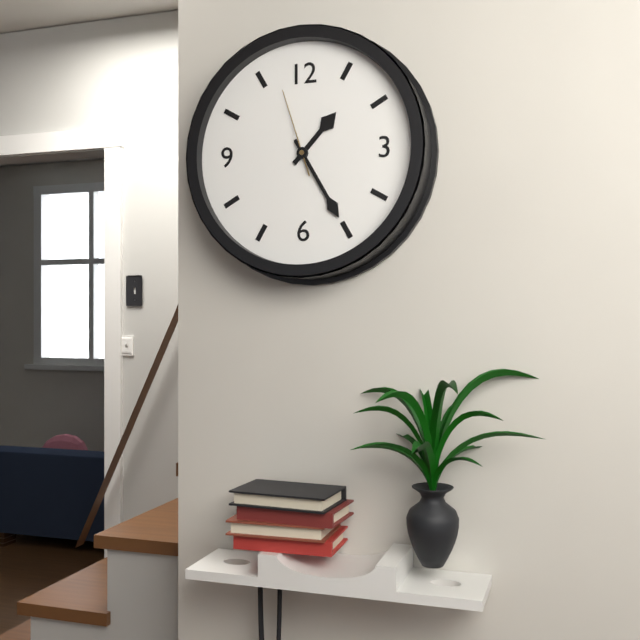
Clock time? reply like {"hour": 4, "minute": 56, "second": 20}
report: {"hour": 1, "minute": 25, "second": 57}
